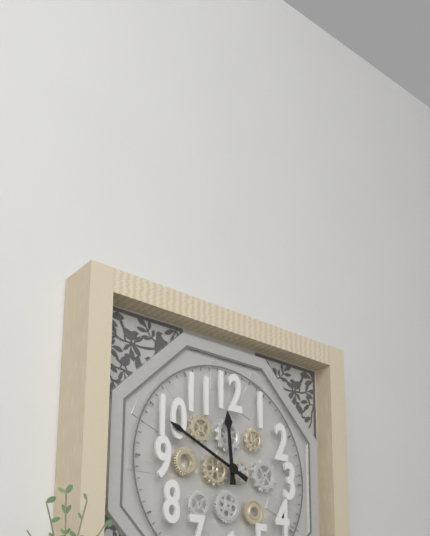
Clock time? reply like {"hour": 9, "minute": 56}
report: {"hour": 11, "minute": 49}
